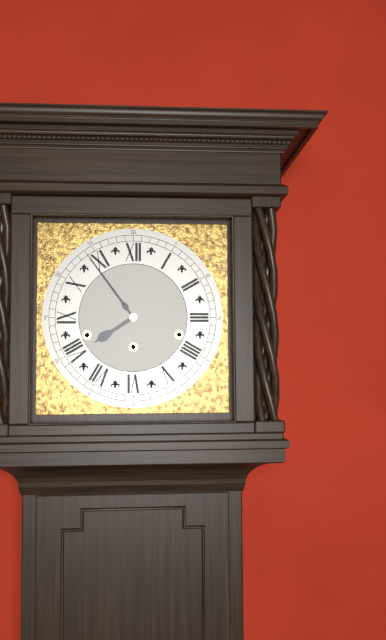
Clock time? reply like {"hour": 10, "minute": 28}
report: {"hour": 7, "minute": 54}
